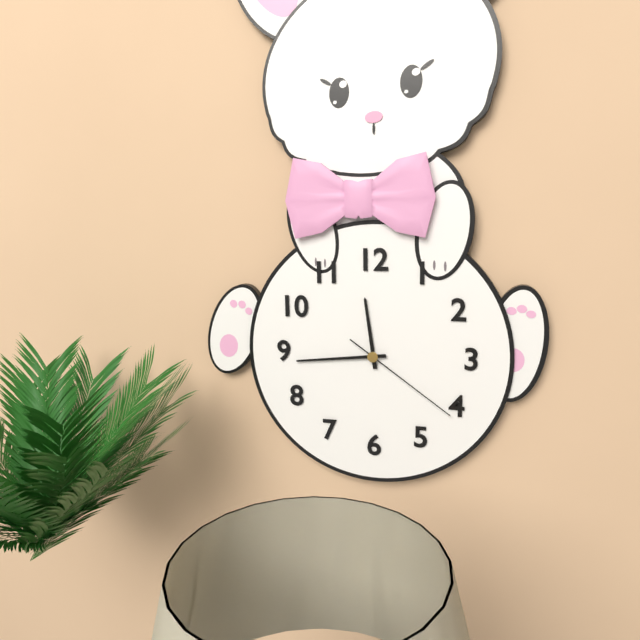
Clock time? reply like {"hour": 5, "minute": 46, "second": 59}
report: {"hour": 11, "minute": 44, "second": 21}
